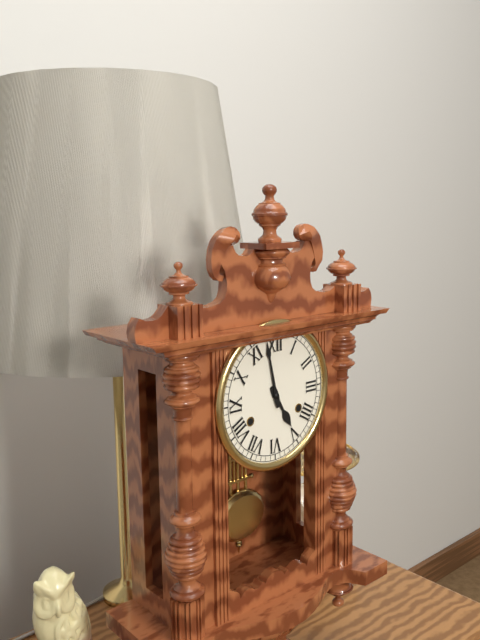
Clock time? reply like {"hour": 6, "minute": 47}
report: {"hour": 4, "minute": 58}
